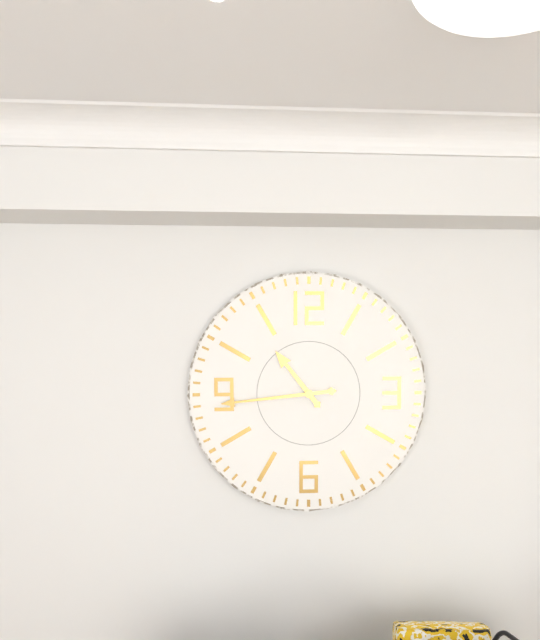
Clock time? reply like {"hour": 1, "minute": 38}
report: {"hour": 10, "minute": 44}
